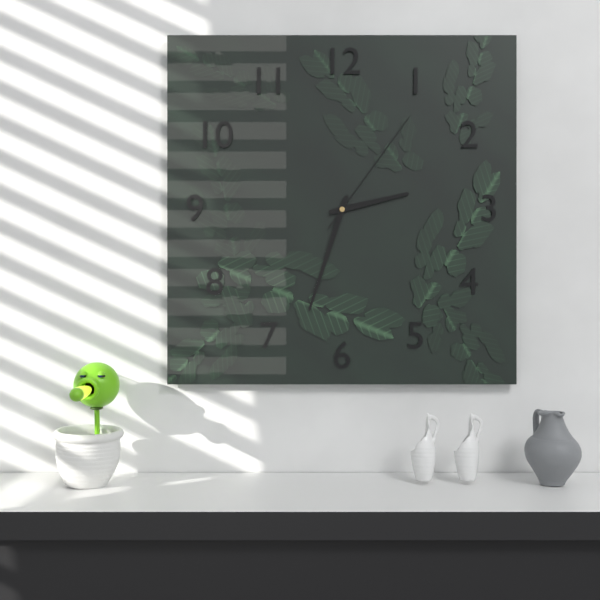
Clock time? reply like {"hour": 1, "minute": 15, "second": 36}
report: {"hour": 2, "minute": 33, "second": 6}
